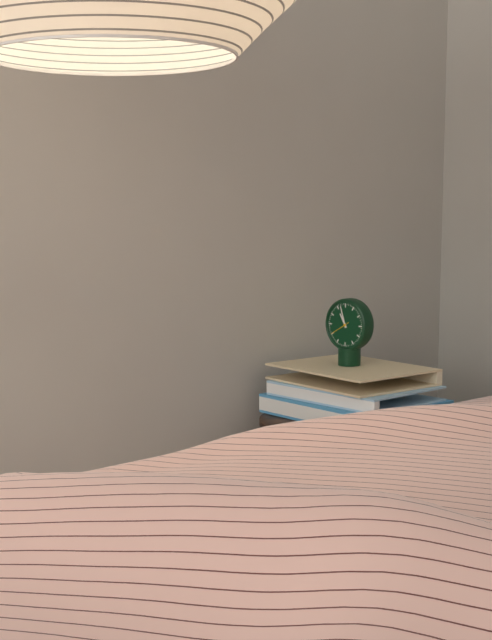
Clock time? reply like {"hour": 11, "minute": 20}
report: {"hour": 10, "minute": 57}
